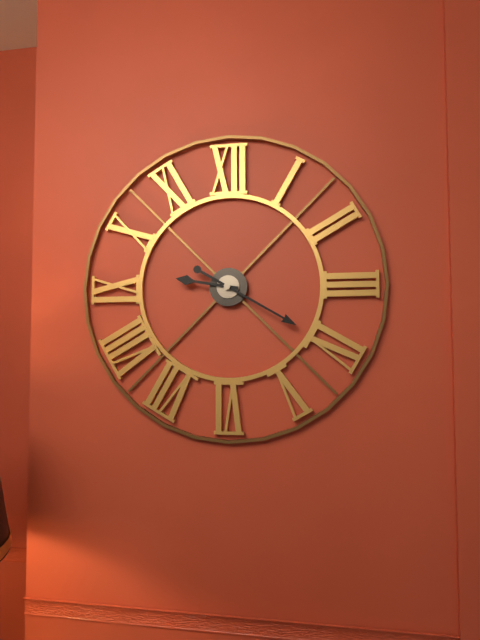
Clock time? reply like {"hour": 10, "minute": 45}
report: {"hour": 9, "minute": 20}
